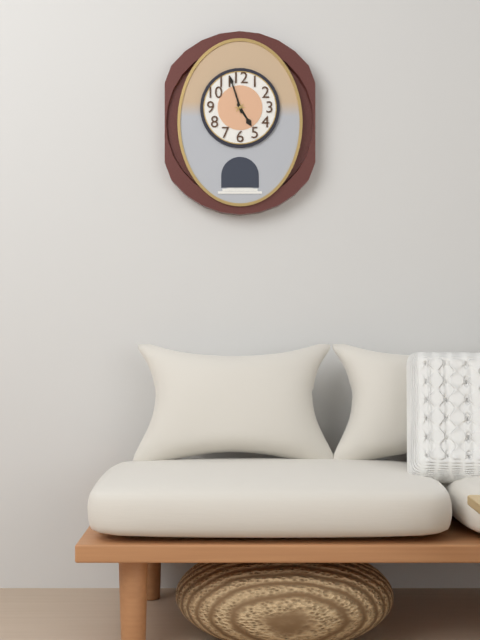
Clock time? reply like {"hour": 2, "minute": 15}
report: {"hour": 4, "minute": 57}
